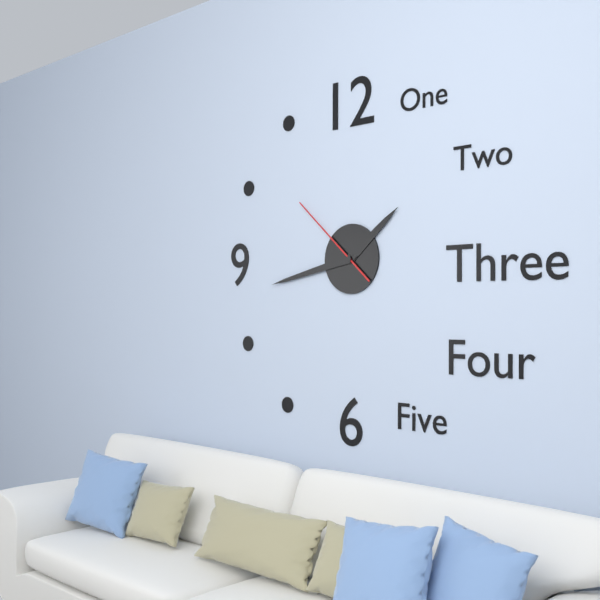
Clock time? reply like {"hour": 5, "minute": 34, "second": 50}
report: {"hour": 1, "minute": 43, "second": 52}
